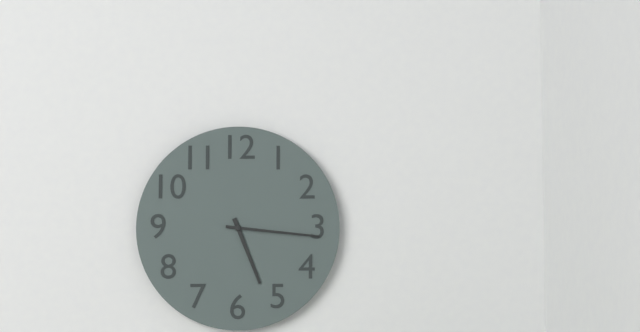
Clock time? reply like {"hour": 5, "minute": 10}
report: {"hour": 5, "minute": 16}
